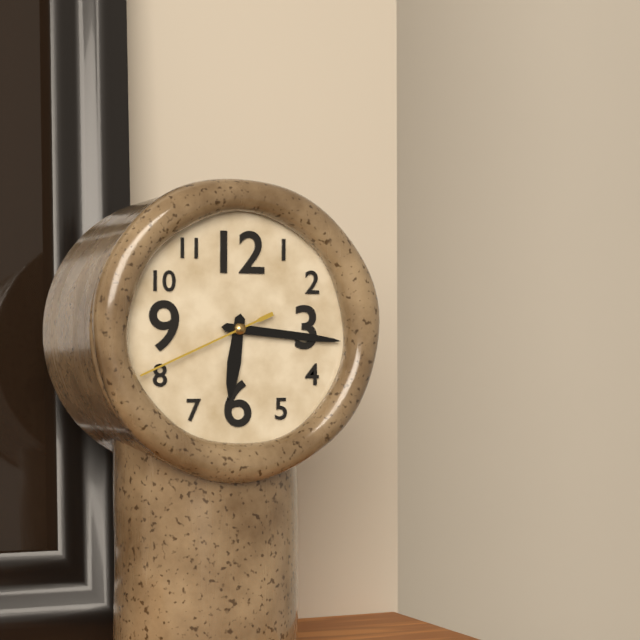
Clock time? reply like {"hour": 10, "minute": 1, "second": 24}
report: {"hour": 6, "minute": 16, "second": 41}
